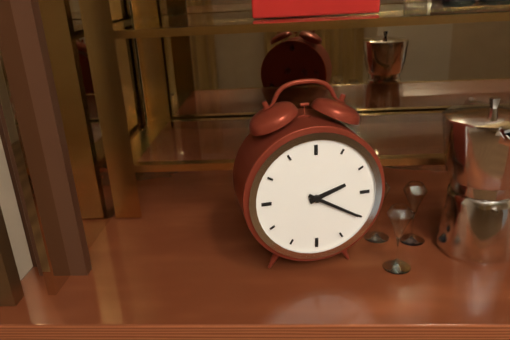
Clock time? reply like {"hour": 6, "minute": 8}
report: {"hour": 2, "minute": 20}
